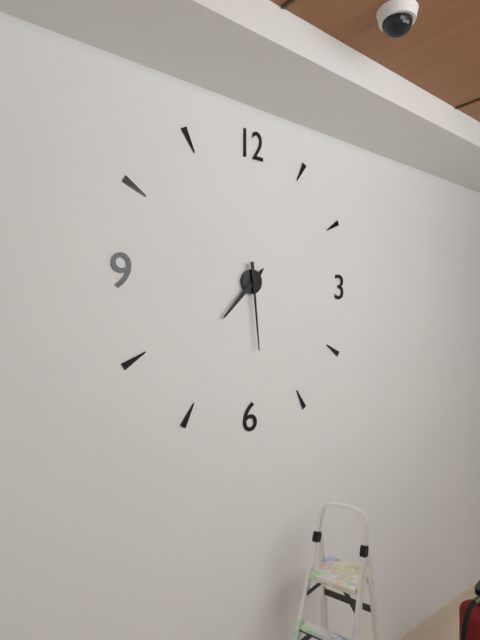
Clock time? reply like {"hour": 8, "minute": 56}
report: {"hour": 7, "minute": 29}
